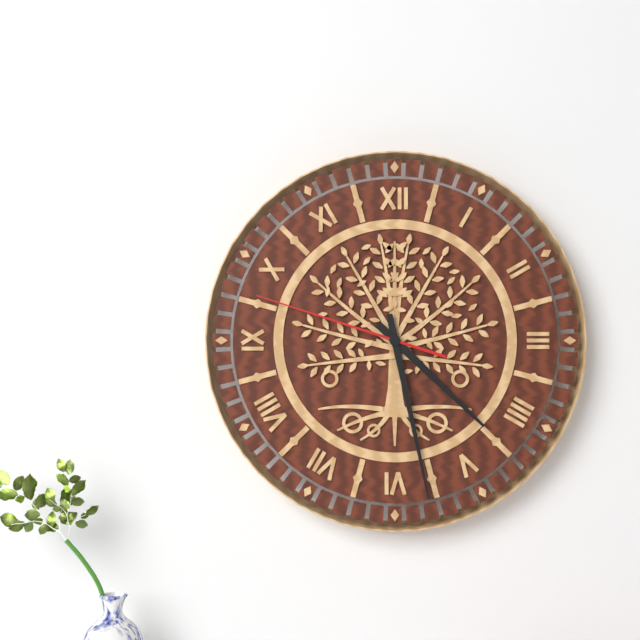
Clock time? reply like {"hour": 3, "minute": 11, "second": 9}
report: {"hour": 4, "minute": 28, "second": 48}
